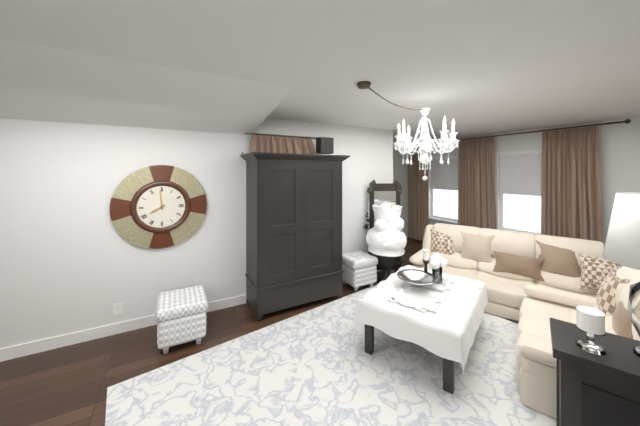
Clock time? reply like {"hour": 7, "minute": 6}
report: {"hour": 7, "minute": 59}
